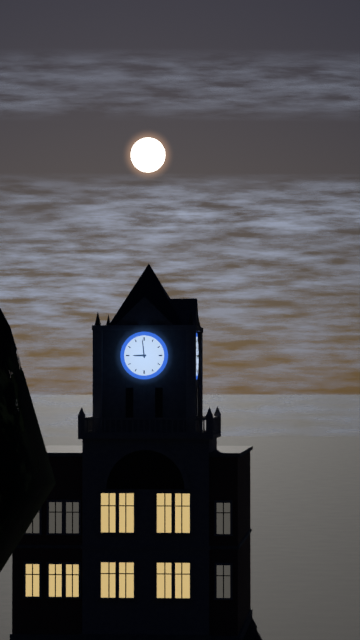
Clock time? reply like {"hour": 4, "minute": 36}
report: {"hour": 8, "minute": 59}
